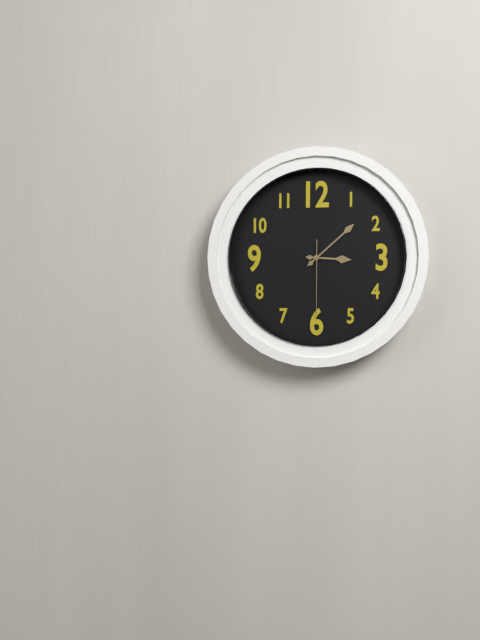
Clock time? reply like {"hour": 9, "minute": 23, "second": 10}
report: {"hour": 3, "minute": 8, "second": 30}
